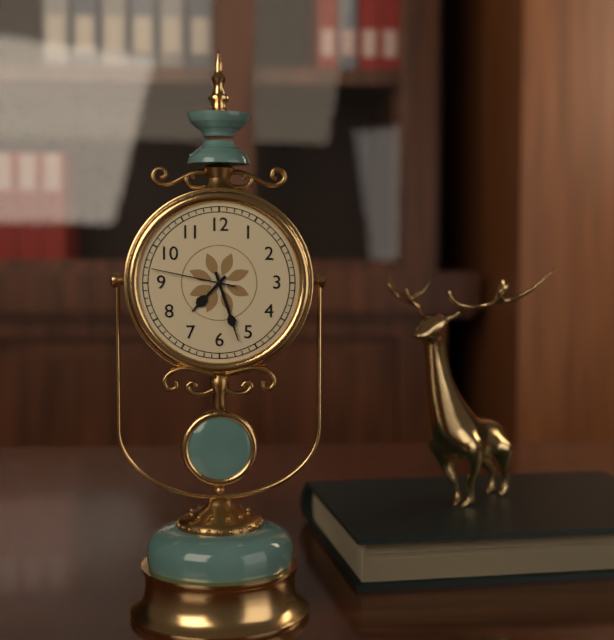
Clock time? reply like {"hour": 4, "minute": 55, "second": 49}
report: {"hour": 7, "minute": 27, "second": 47}
